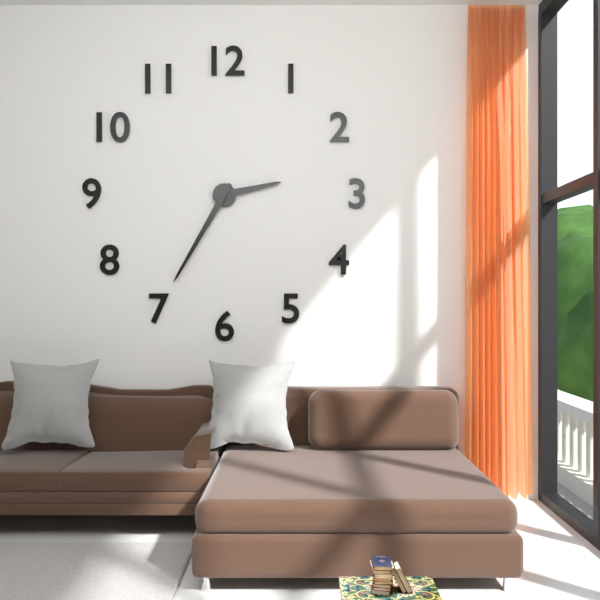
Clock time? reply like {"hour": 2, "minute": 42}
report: {"hour": 2, "minute": 35}
